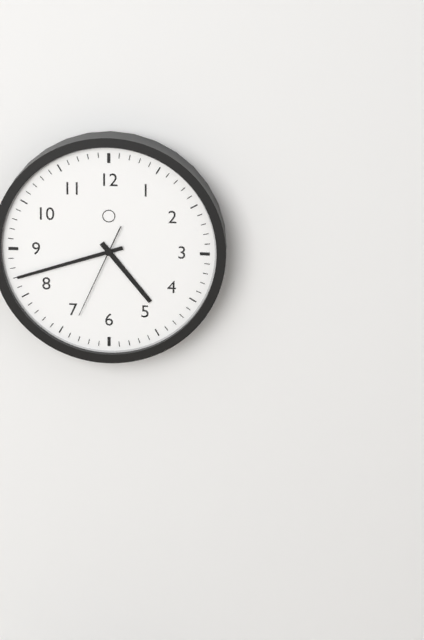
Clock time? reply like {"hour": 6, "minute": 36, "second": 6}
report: {"hour": 4, "minute": 42, "second": 34}
